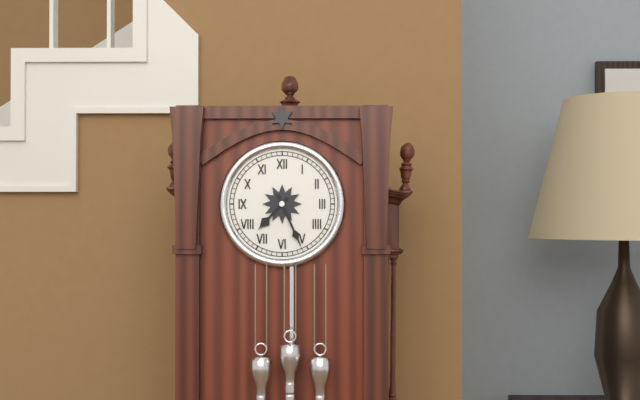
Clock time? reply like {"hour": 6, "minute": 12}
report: {"hour": 7, "minute": 26}
